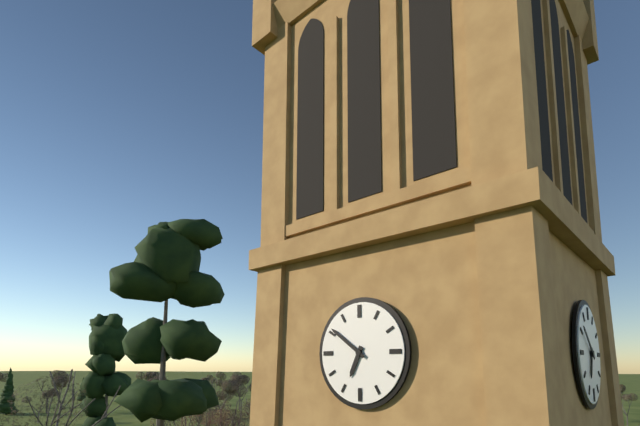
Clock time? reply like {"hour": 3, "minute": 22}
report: {"hour": 6, "minute": 51}
